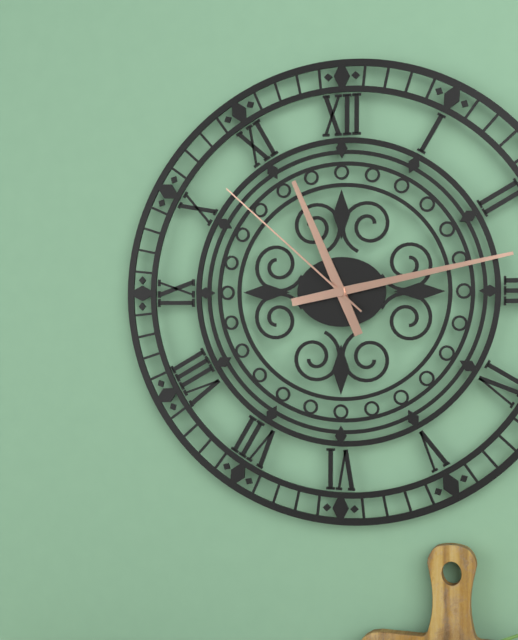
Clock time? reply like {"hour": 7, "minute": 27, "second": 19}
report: {"hour": 11, "minute": 13, "second": 52}
